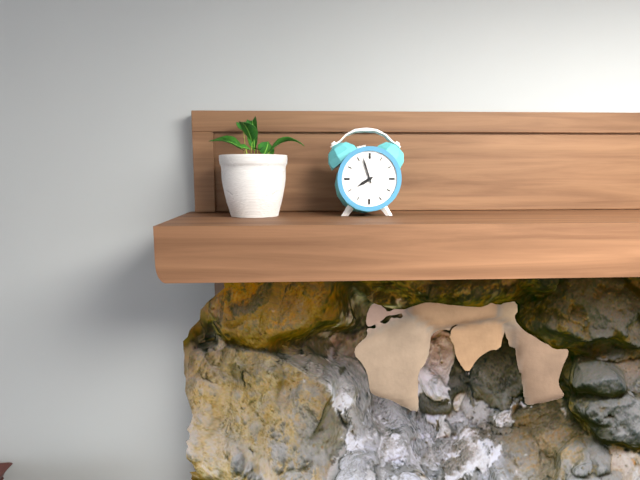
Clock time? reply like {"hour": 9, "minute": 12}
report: {"hour": 7, "minute": 57}
